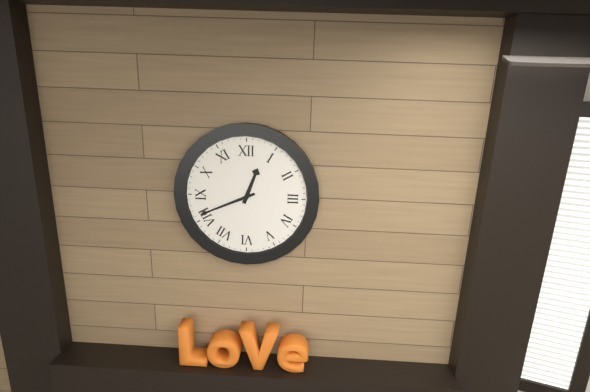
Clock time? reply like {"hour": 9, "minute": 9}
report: {"hour": 12, "minute": 41}
